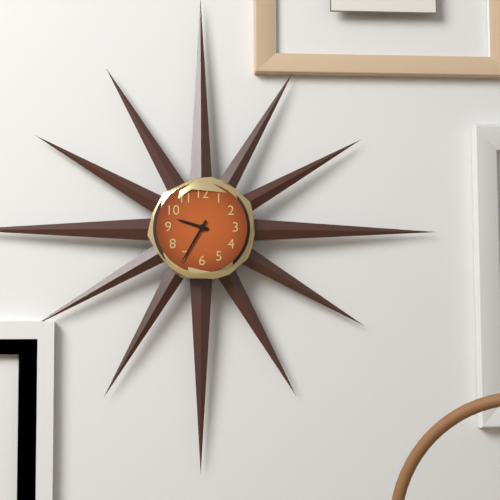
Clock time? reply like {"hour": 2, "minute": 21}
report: {"hour": 9, "minute": 35}
